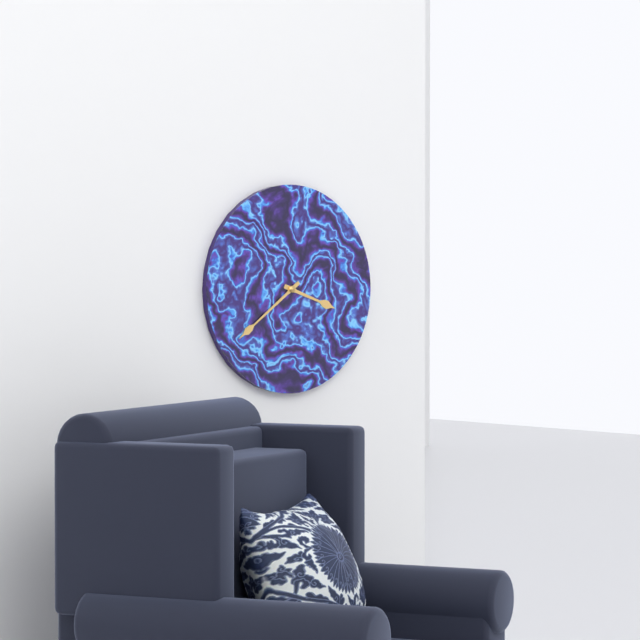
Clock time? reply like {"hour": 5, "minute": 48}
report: {"hour": 3, "minute": 39}
